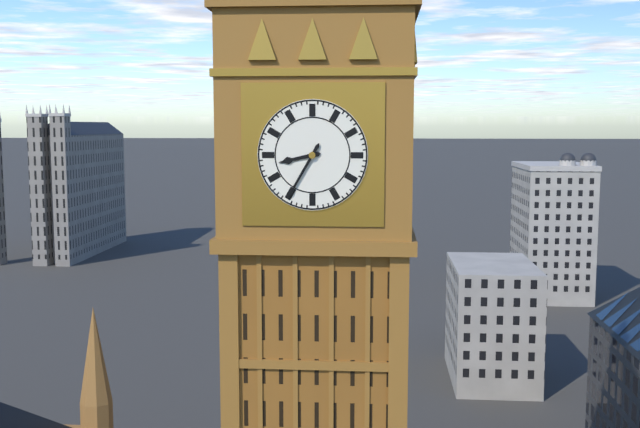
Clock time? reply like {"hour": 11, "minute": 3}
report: {"hour": 8, "minute": 35}
